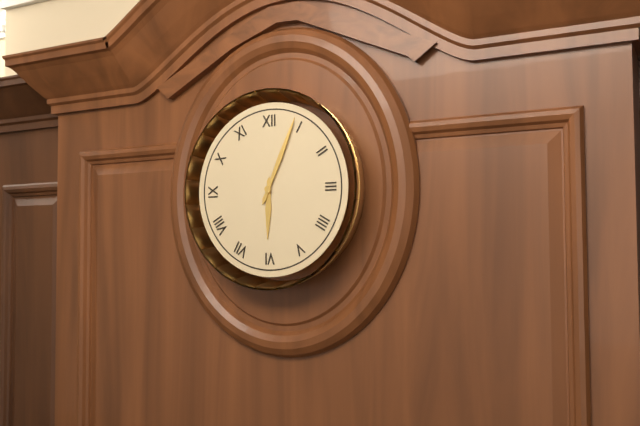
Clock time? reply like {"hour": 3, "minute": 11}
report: {"hour": 6, "minute": 4}
